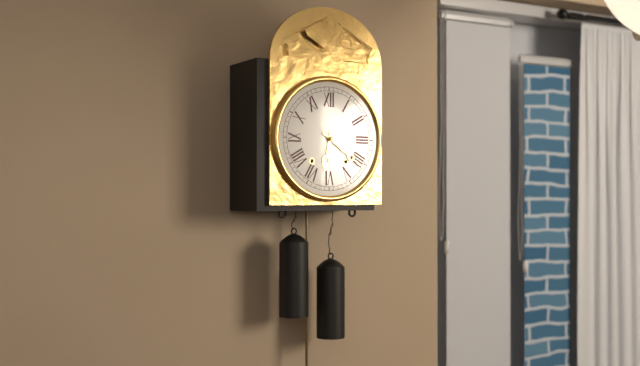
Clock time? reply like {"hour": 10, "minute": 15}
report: {"hour": 6, "minute": 21}
